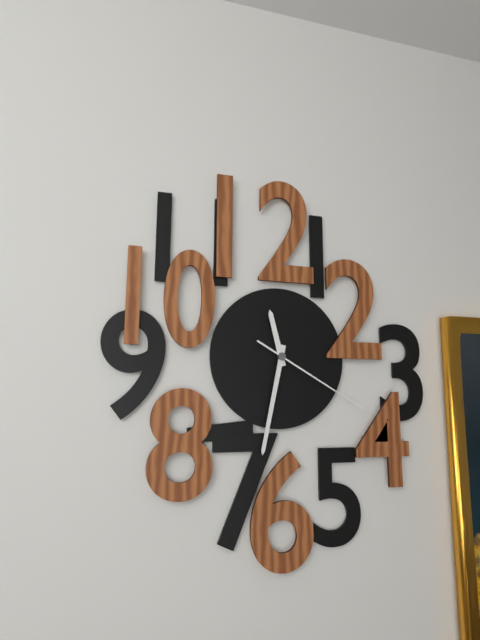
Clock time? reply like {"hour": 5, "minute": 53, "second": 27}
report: {"hour": 11, "minute": 32, "second": 20}
